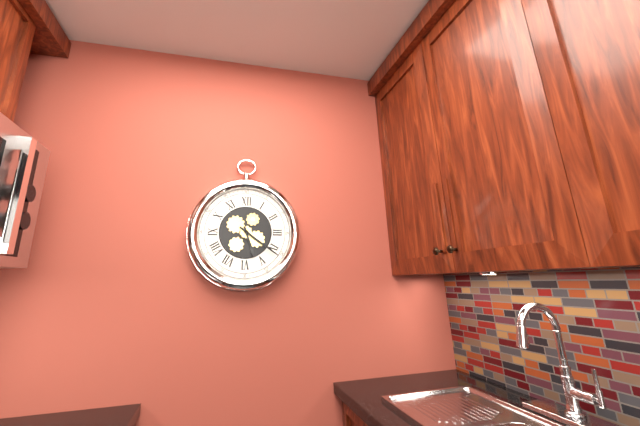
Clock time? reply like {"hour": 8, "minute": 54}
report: {"hour": 5, "minute": 21}
